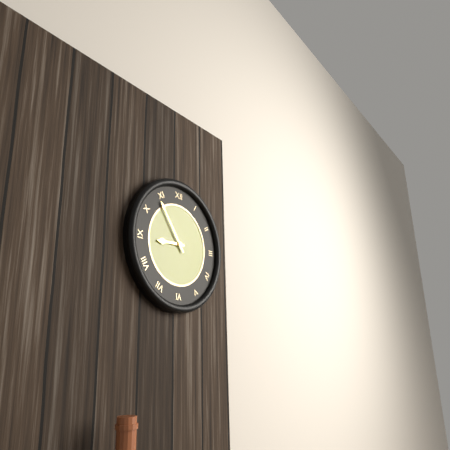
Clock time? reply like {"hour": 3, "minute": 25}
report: {"hour": 8, "minute": 54}
